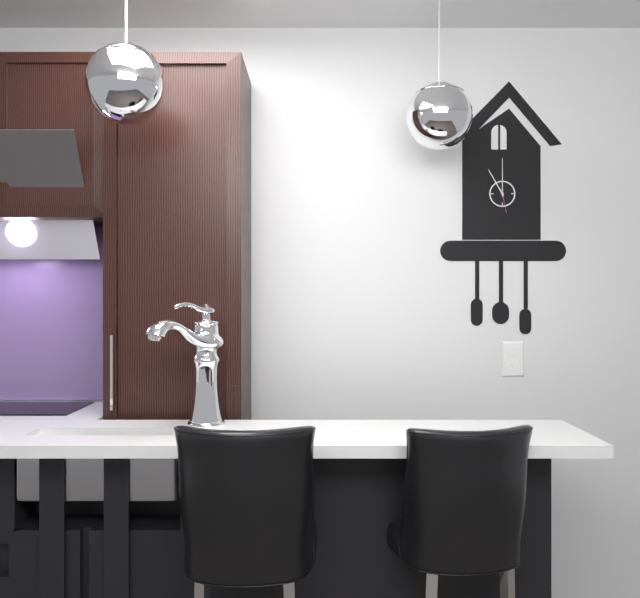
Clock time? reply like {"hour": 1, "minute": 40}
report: {"hour": 11, "minute": 0}
